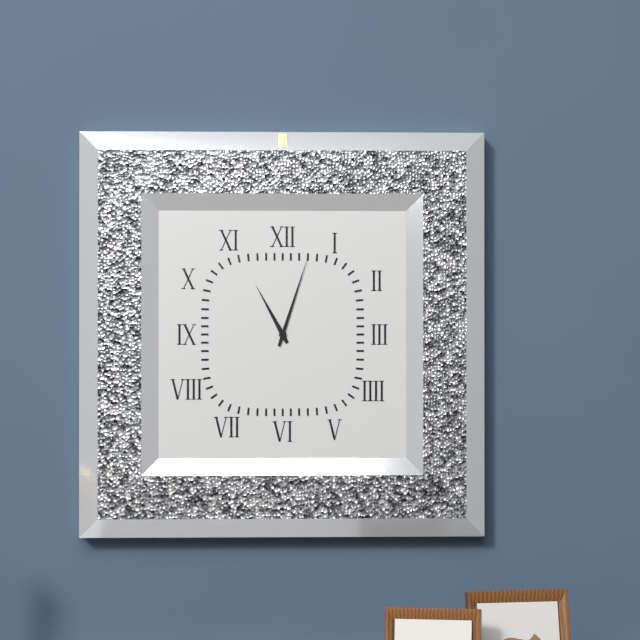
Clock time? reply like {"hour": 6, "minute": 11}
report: {"hour": 11, "minute": 3}
